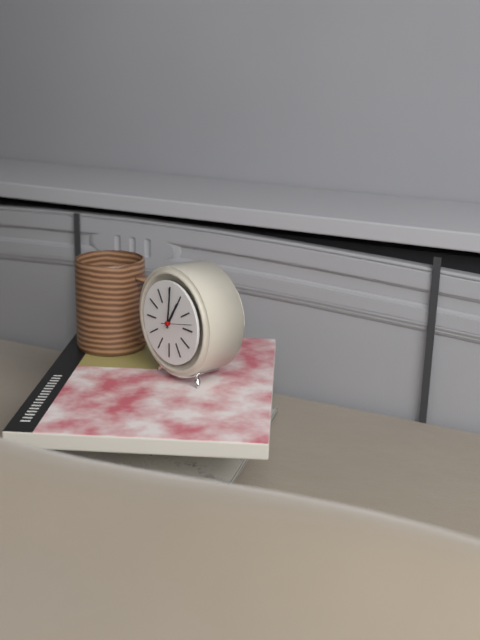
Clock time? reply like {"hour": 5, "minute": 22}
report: {"hour": 1, "minute": 1}
